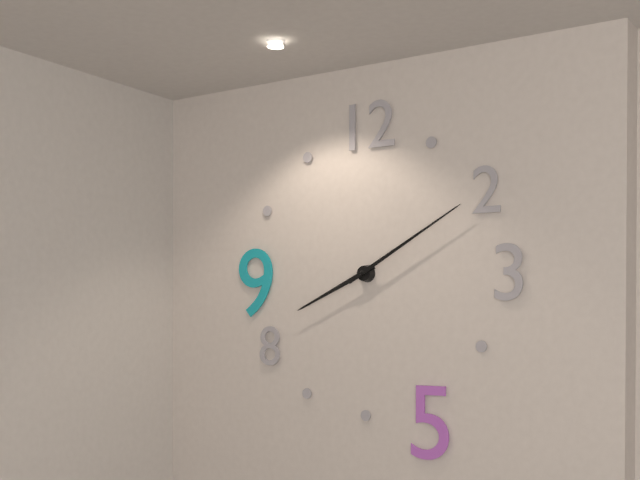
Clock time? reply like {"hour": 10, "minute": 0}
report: {"hour": 8, "minute": 10}
